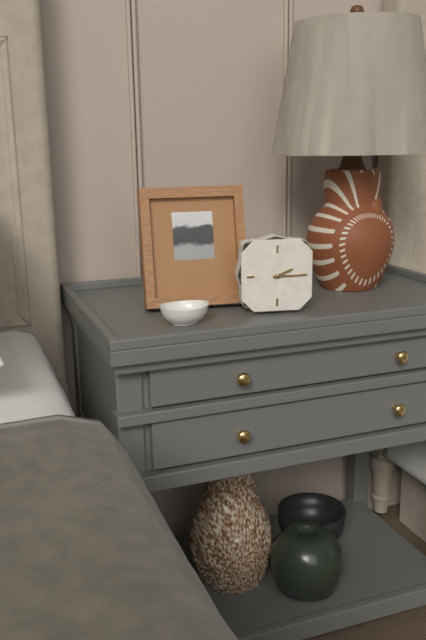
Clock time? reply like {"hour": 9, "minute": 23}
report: {"hour": 2, "minute": 15}
